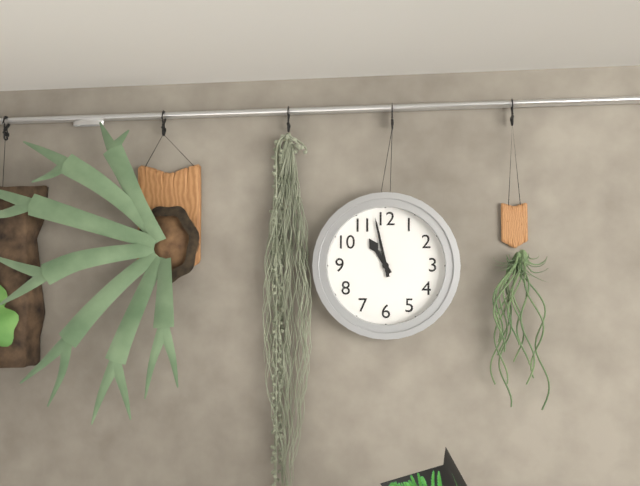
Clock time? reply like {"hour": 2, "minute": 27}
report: {"hour": 10, "minute": 58}
